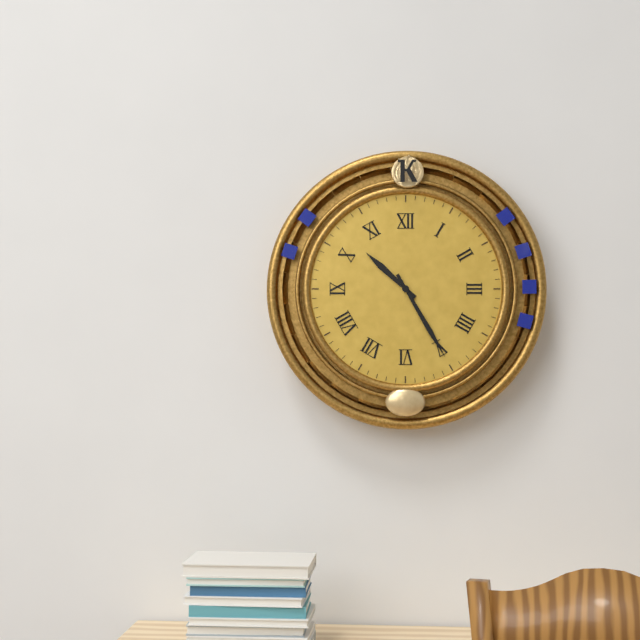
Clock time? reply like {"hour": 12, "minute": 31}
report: {"hour": 10, "minute": 25}
